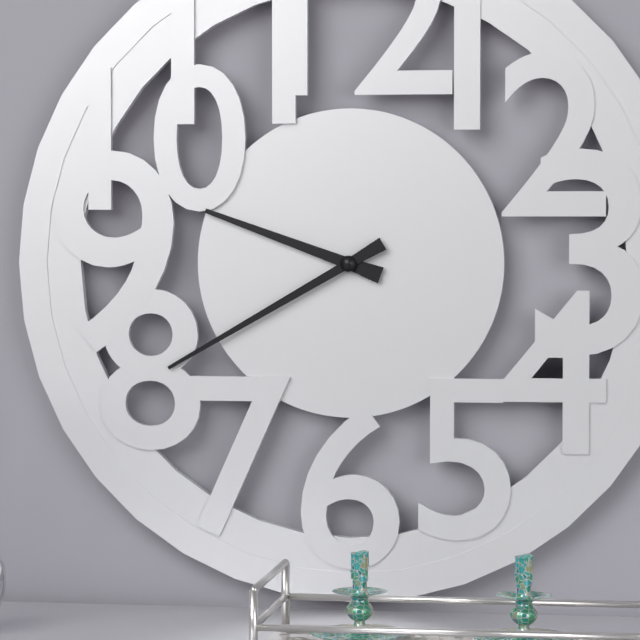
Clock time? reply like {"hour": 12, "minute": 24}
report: {"hour": 9, "minute": 40}
